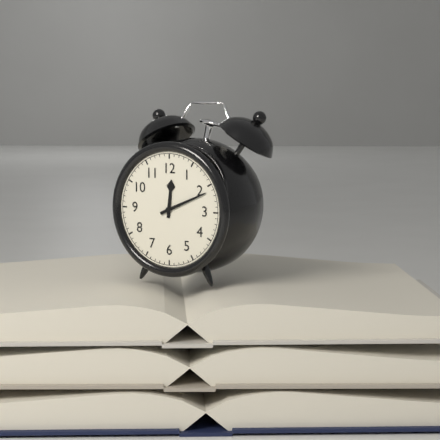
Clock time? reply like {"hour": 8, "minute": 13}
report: {"hour": 12, "minute": 11}
